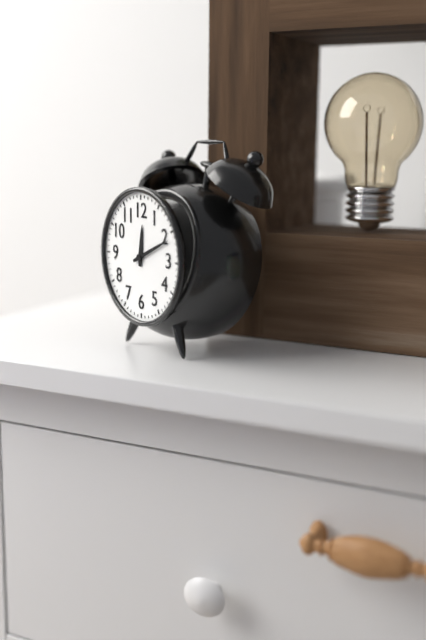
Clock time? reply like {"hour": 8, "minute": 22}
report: {"hour": 12, "minute": 11}
